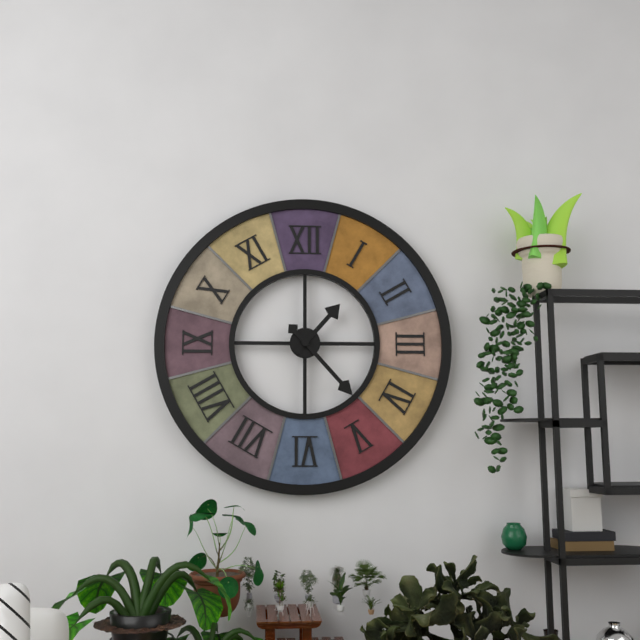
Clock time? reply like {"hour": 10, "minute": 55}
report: {"hour": 1, "minute": 23}
